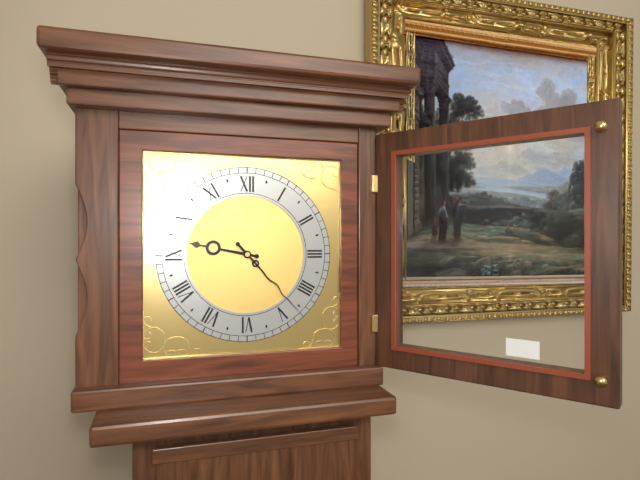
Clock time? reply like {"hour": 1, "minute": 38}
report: {"hour": 9, "minute": 23}
